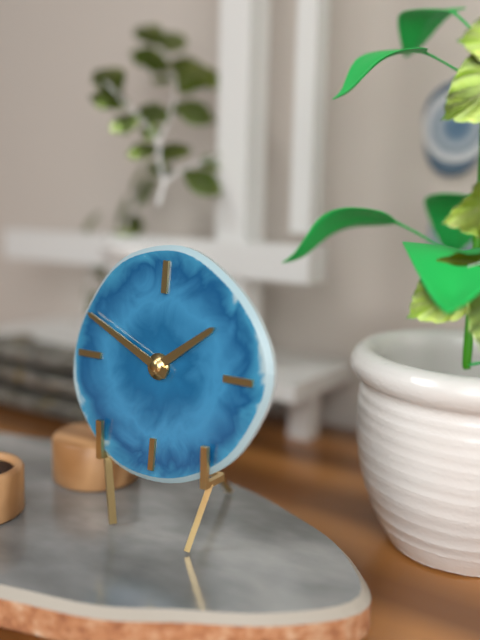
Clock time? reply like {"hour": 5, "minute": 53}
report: {"hour": 1, "minute": 49}
